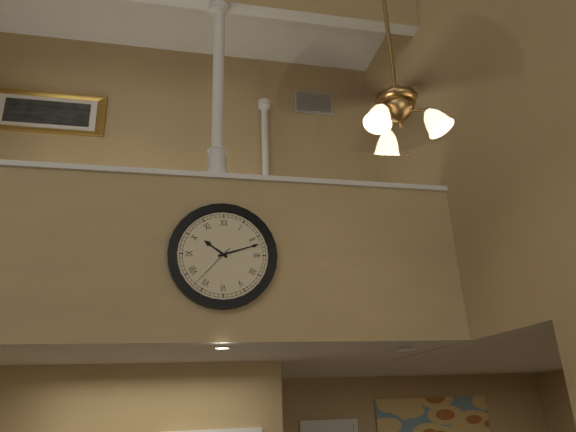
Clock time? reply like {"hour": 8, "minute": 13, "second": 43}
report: {"hour": 10, "minute": 12, "second": 37}
